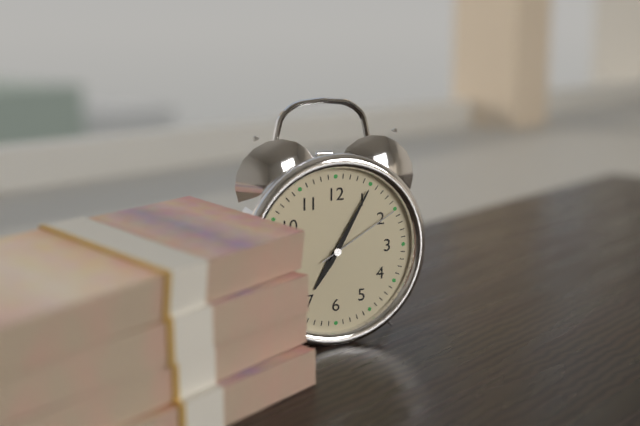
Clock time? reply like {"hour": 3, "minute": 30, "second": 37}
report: {"hour": 7, "minute": 5, "second": 10}
